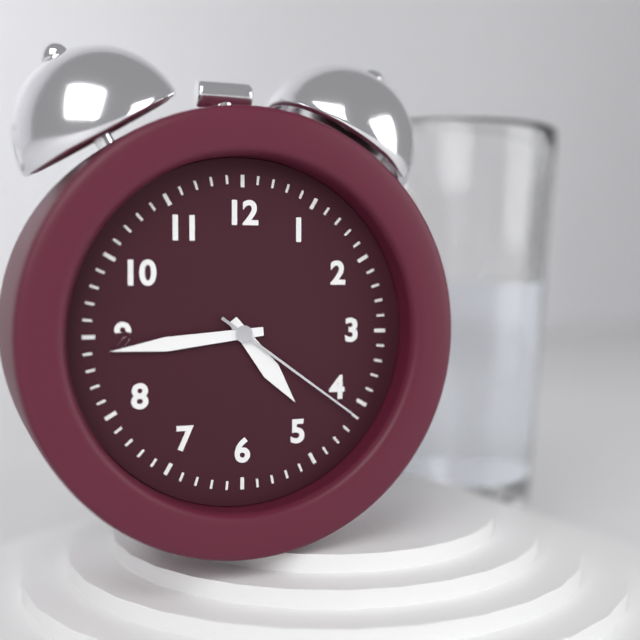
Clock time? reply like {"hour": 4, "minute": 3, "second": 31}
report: {"hour": 4, "minute": 44, "second": 21}
